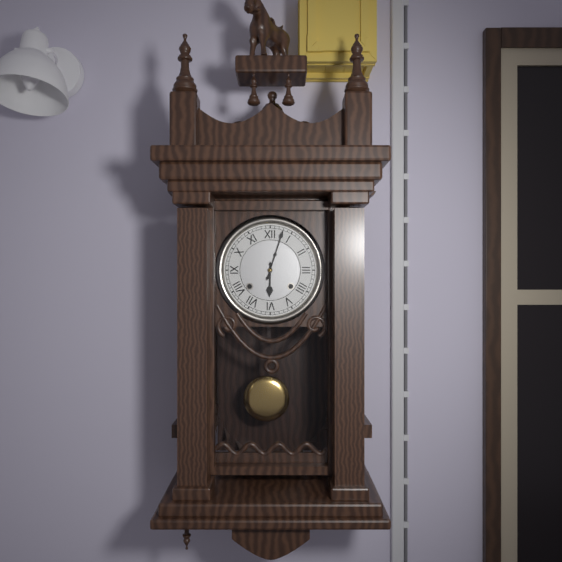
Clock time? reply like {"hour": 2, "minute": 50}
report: {"hour": 6, "minute": 3}
